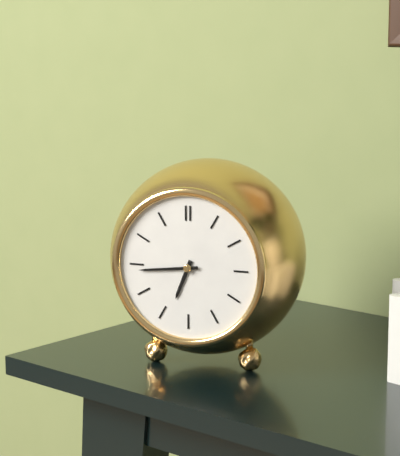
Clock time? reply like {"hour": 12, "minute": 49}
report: {"hour": 6, "minute": 44}
